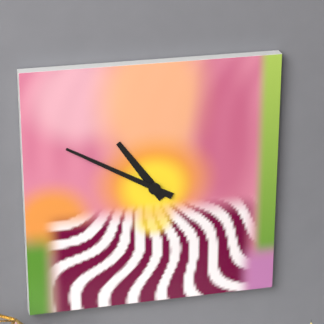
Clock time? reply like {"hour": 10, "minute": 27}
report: {"hour": 10, "minute": 50}
